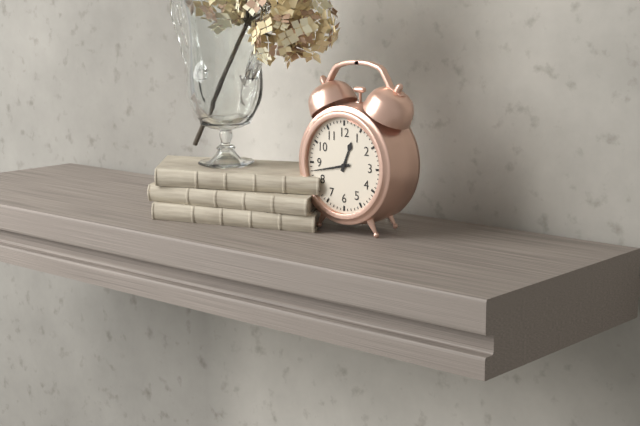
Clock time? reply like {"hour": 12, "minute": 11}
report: {"hour": 12, "minute": 43}
